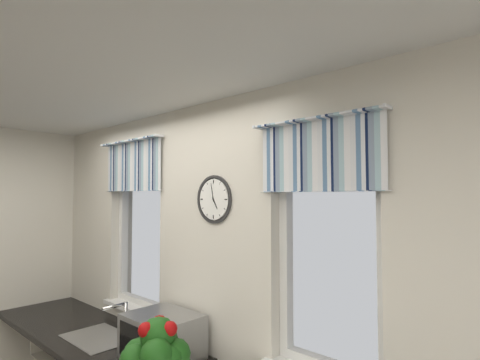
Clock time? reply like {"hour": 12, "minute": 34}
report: {"hour": 4, "minute": 58}
